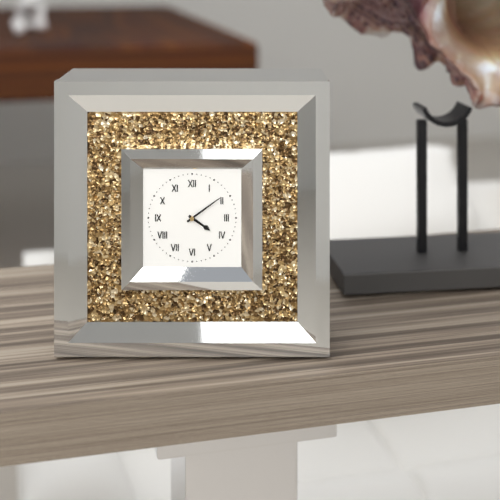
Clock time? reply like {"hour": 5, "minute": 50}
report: {"hour": 4, "minute": 9}
